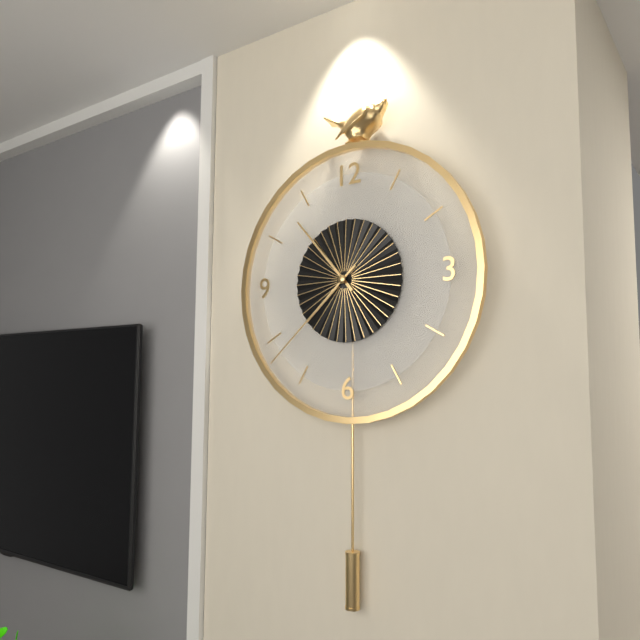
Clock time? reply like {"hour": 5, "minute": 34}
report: {"hour": 10, "minute": 38}
